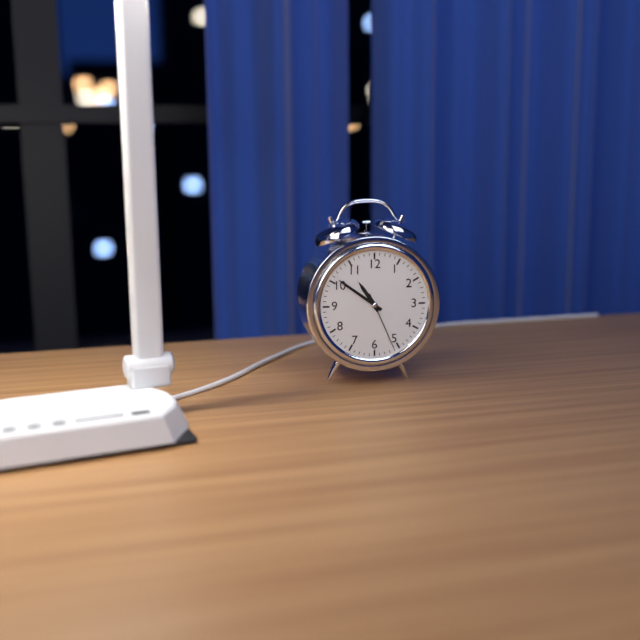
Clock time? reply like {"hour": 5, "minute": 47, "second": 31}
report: {"hour": 10, "minute": 51, "second": 26}
